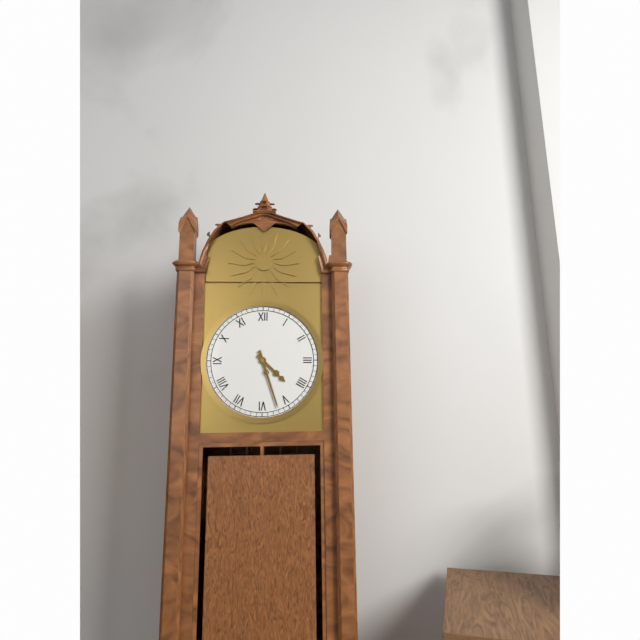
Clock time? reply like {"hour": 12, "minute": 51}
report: {"hour": 4, "minute": 27}
